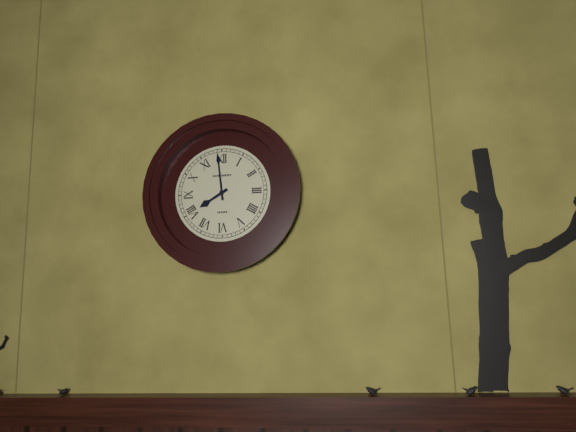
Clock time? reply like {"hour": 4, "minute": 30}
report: {"hour": 7, "minute": 59}
